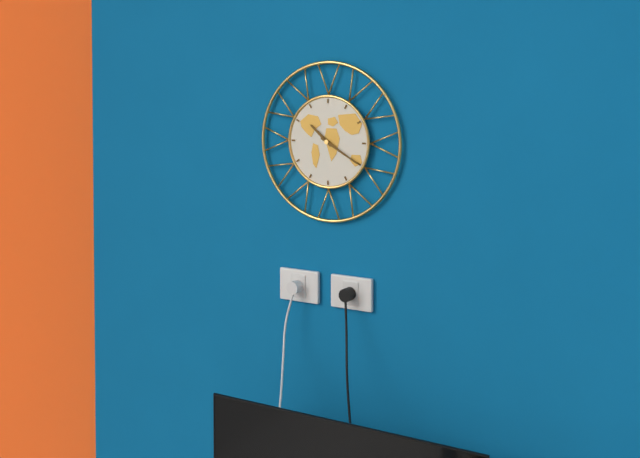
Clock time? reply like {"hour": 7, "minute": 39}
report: {"hour": 10, "minute": 20}
